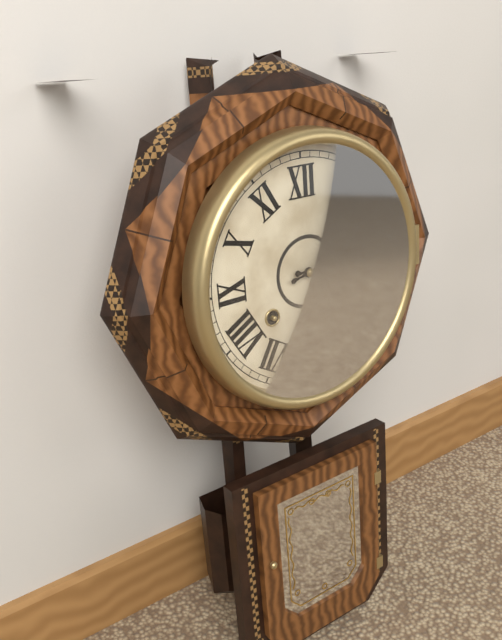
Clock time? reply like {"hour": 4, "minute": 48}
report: {"hour": 3, "minute": 13}
